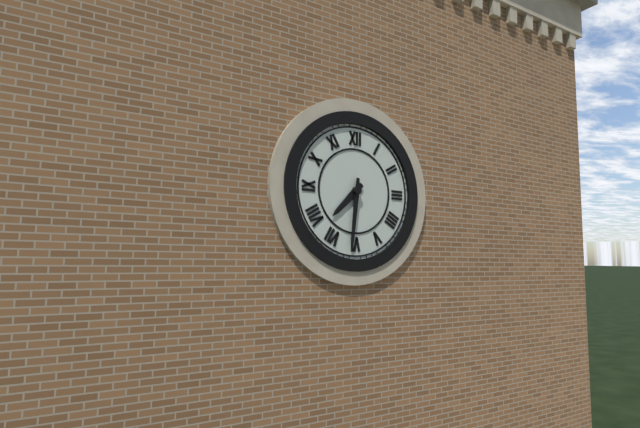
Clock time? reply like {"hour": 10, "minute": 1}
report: {"hour": 7, "minute": 31}
